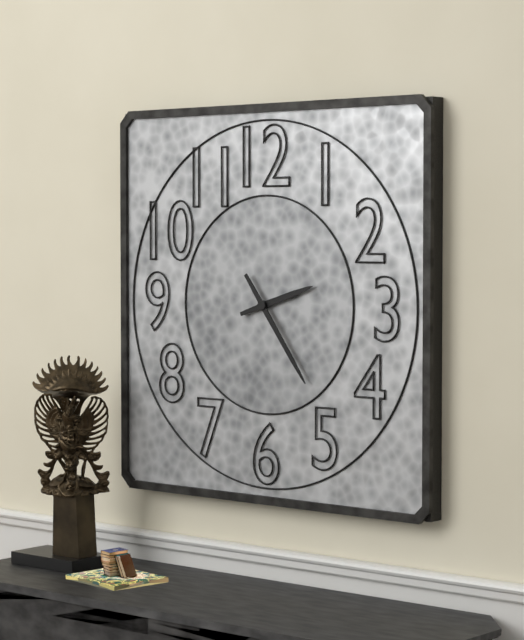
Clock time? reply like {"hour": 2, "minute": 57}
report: {"hour": 2, "minute": 24}
